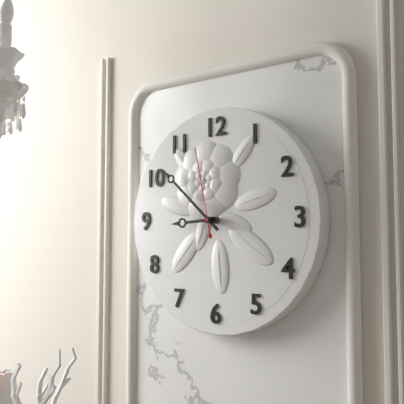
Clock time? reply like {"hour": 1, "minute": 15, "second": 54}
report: {"hour": 8, "minute": 52, "second": 58}
